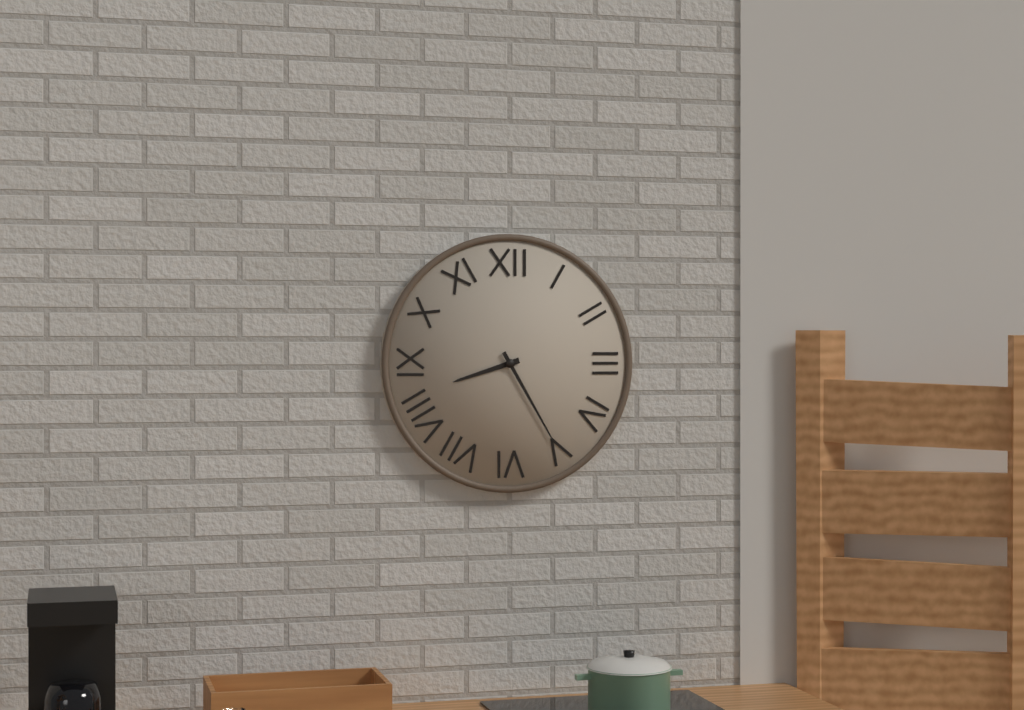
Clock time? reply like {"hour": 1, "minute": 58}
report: {"hour": 8, "minute": 25}
